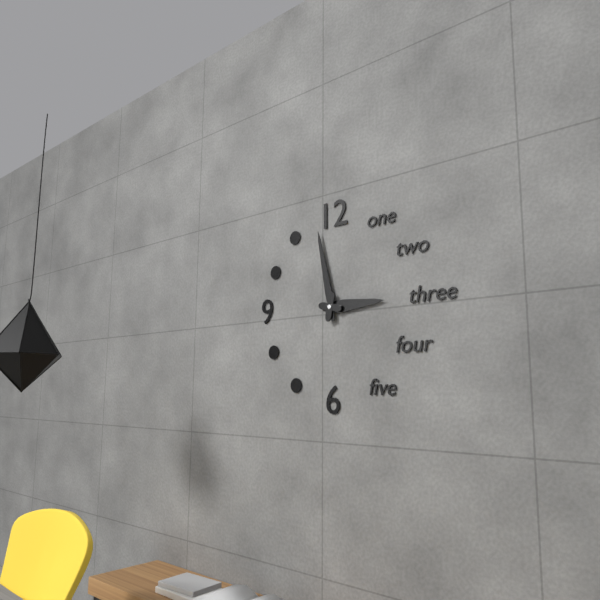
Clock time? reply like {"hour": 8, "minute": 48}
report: {"hour": 2, "minute": 58}
